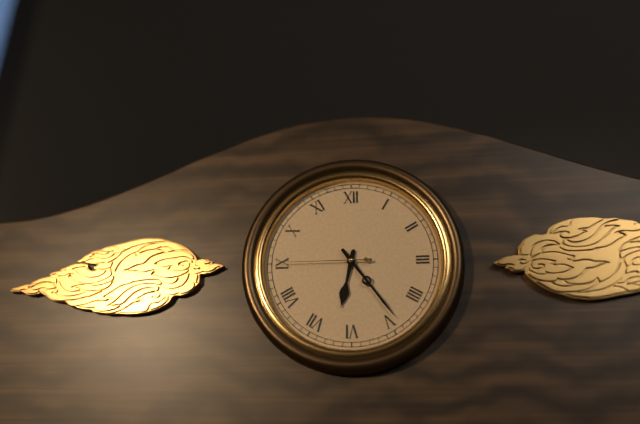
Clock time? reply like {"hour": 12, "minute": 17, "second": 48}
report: {"hour": 6, "minute": 24, "second": 45}
